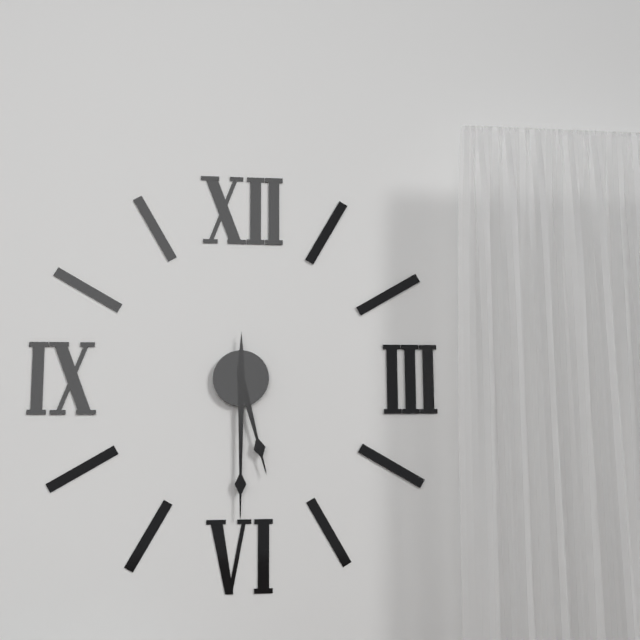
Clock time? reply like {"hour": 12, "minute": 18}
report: {"hour": 5, "minute": 30}
